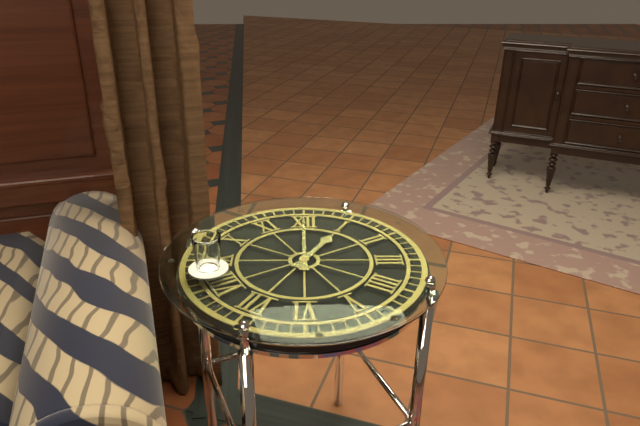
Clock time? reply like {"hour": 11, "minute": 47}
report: {"hour": 1, "minute": 0}
